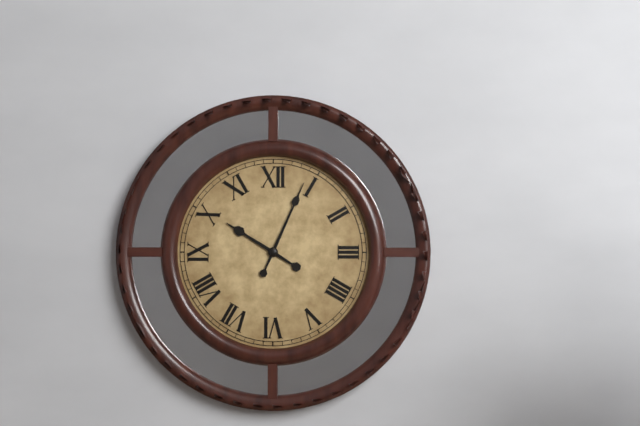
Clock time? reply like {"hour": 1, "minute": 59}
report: {"hour": 10, "minute": 4}
